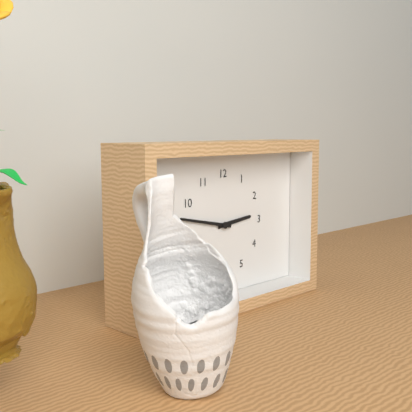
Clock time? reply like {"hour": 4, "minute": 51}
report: {"hour": 2, "minute": 47}
